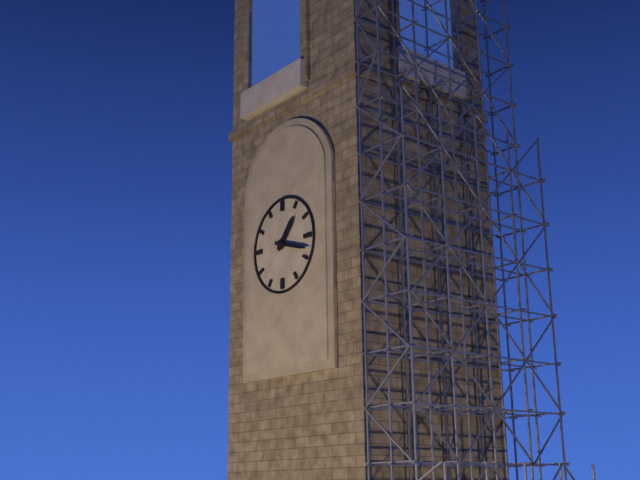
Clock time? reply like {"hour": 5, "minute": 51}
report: {"hour": 1, "minute": 18}
